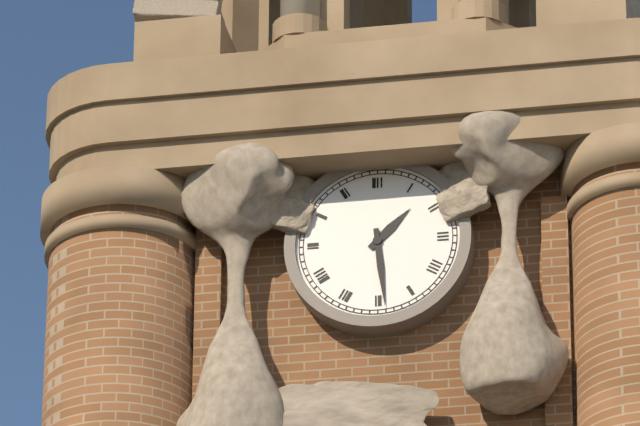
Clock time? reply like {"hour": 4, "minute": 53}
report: {"hour": 1, "minute": 29}
